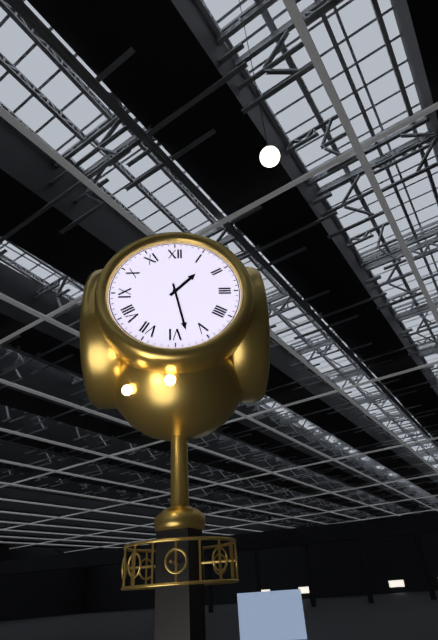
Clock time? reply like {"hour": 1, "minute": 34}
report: {"hour": 1, "minute": 28}
